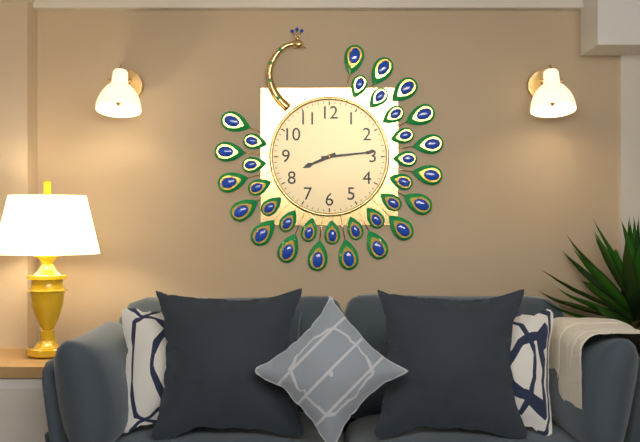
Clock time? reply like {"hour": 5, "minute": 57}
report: {"hour": 8, "minute": 14}
